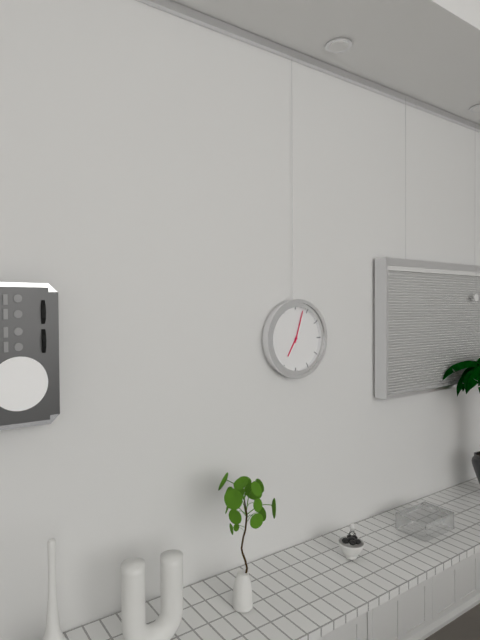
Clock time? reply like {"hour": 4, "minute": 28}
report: {"hour": 7, "minute": 3}
